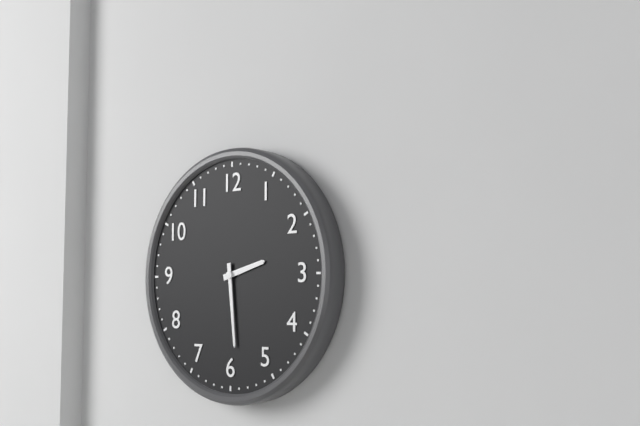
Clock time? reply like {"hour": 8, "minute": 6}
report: {"hour": 2, "minute": 29}
